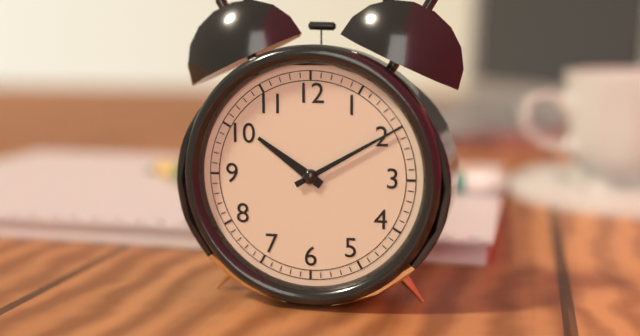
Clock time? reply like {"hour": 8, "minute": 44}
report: {"hour": 10, "minute": 10}
